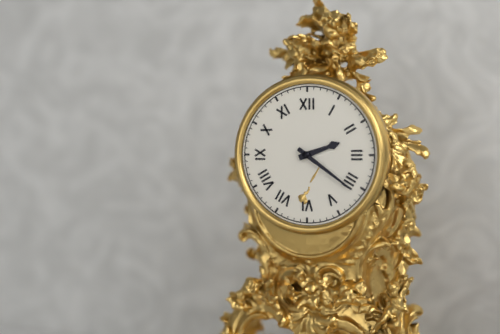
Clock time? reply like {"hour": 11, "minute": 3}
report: {"hour": 2, "minute": 21}
